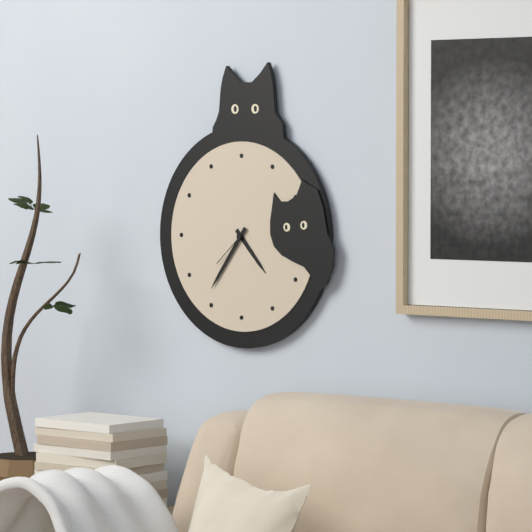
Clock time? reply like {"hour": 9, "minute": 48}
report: {"hour": 4, "minute": 36}
